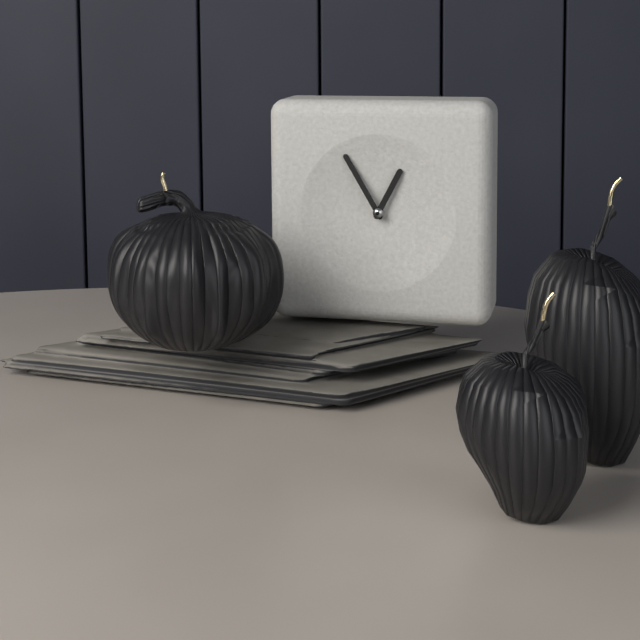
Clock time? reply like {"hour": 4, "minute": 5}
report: {"hour": 12, "minute": 55}
